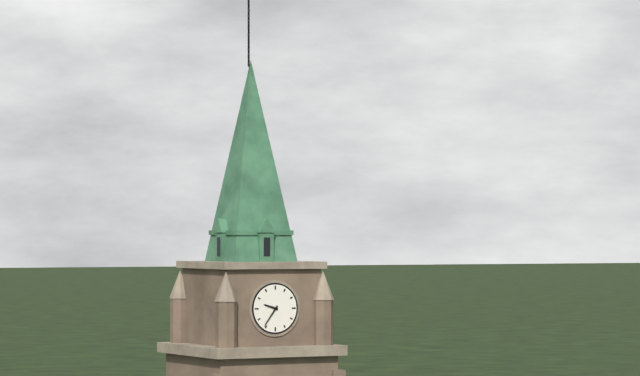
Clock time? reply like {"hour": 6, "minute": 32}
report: {"hour": 9, "minute": 36}
